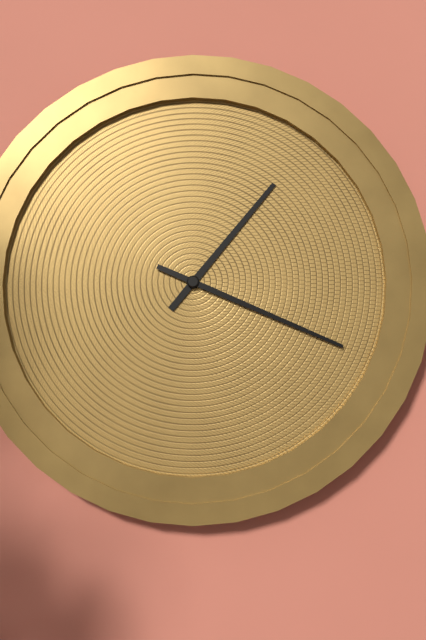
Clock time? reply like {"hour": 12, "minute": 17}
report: {"hour": 1, "minute": 19}
